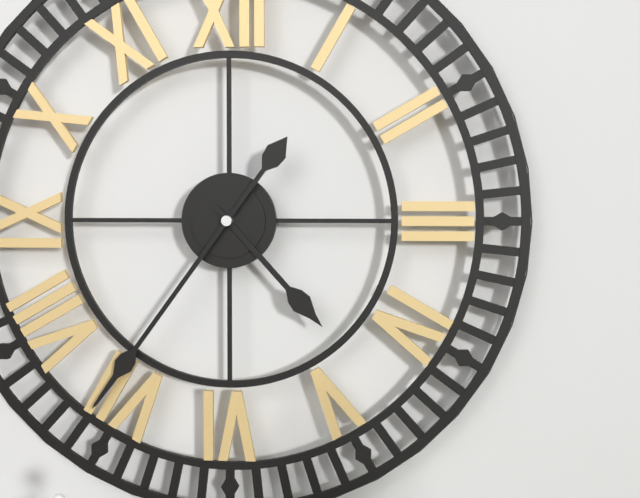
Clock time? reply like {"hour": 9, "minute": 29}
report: {"hour": 4, "minute": 36}
